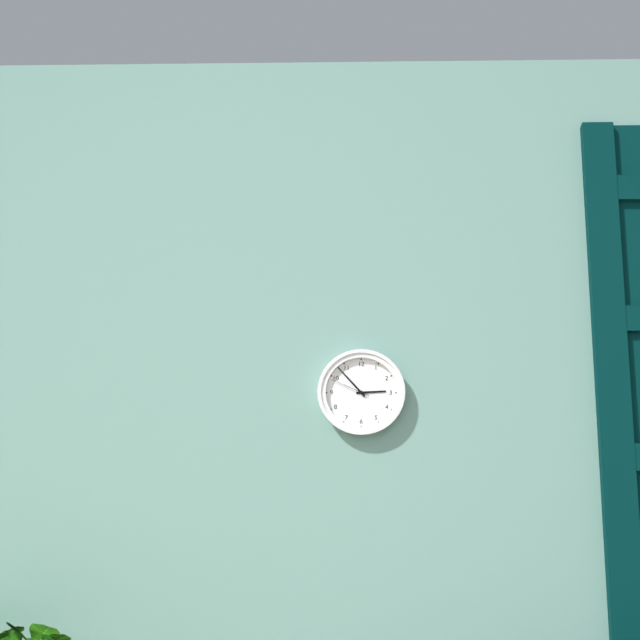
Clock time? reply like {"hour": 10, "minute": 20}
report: {"hour": 2, "minute": 53}
